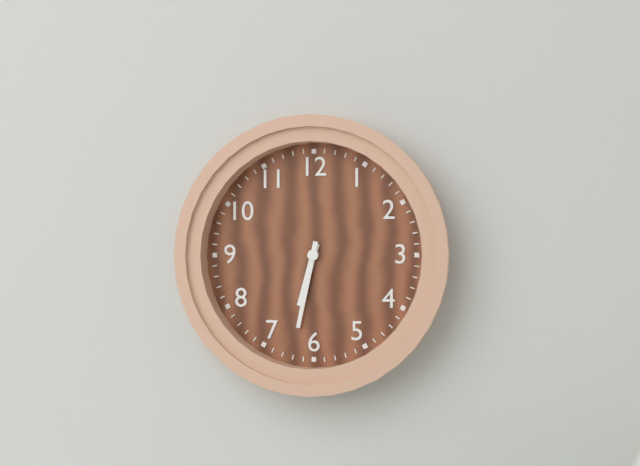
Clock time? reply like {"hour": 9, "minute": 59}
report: {"hour": 6, "minute": 32}
